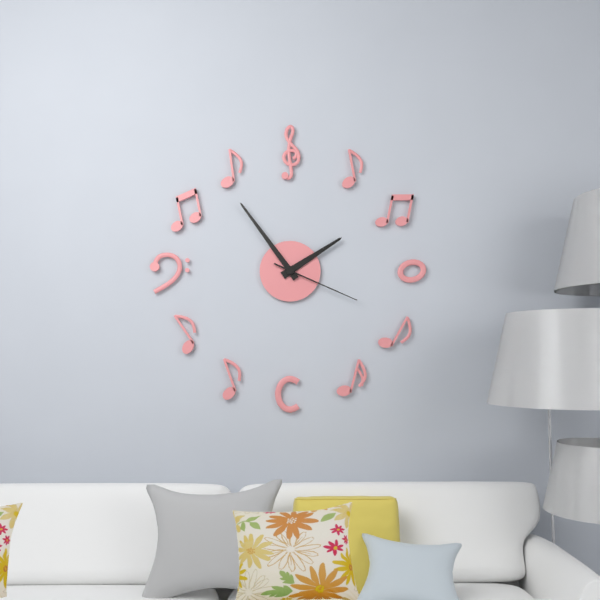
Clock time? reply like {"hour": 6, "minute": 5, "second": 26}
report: {"hour": 1, "minute": 54, "second": 19}
